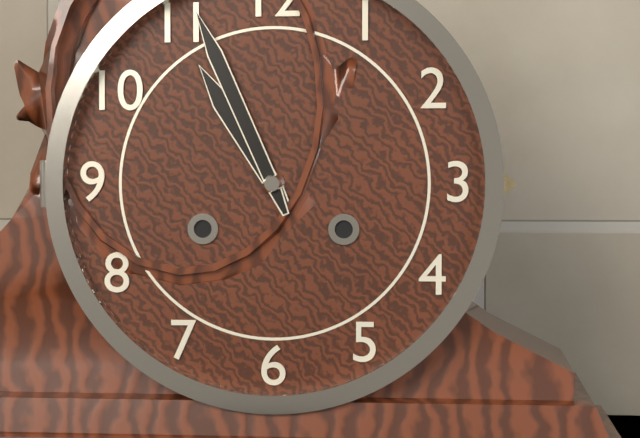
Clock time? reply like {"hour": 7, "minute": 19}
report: {"hour": 10, "minute": 56}
